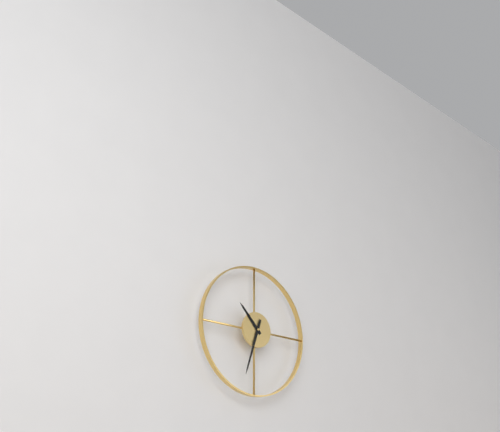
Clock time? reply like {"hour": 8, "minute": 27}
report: {"hour": 10, "minute": 33}
